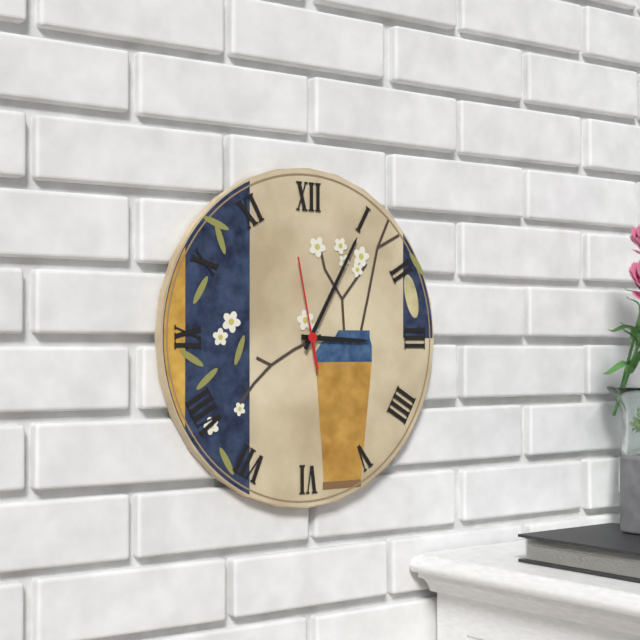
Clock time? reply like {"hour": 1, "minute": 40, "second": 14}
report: {"hour": 3, "minute": 5, "second": 58}
